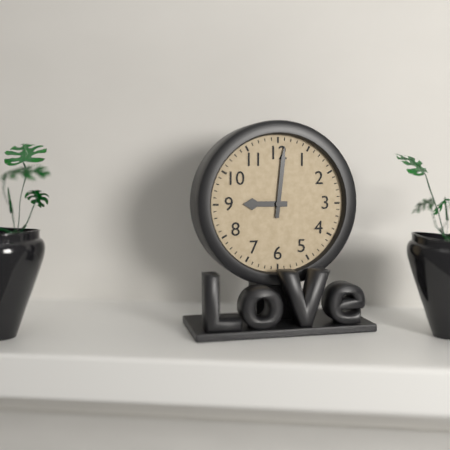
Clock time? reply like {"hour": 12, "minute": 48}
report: {"hour": 9, "minute": 1}
